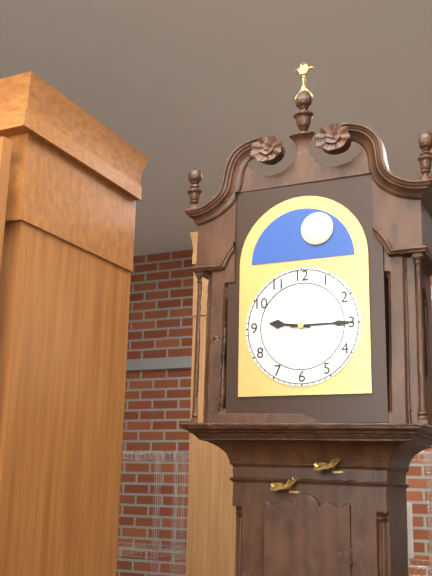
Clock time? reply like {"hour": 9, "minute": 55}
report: {"hour": 9, "minute": 15}
